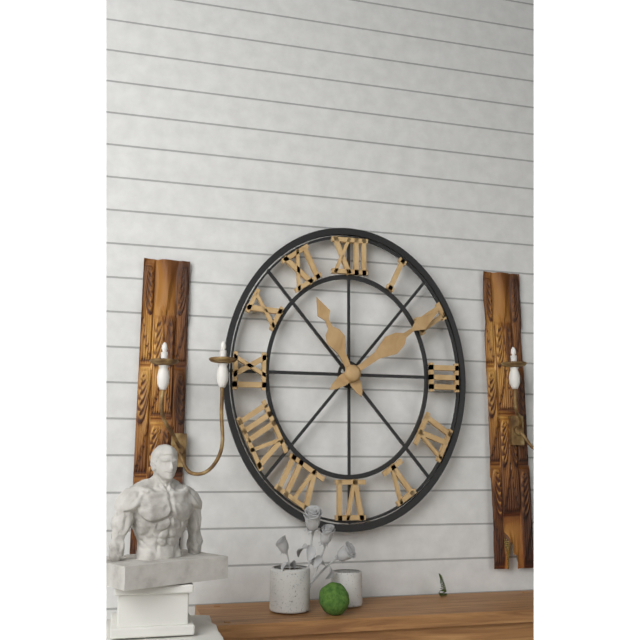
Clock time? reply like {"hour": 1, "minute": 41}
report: {"hour": 11, "minute": 9}
